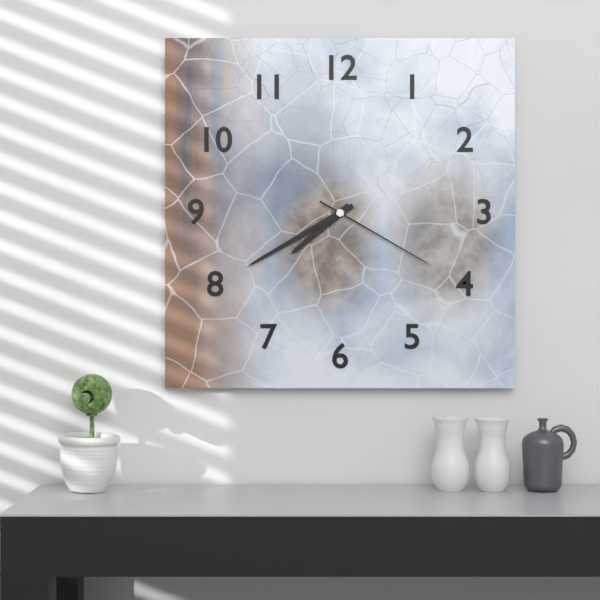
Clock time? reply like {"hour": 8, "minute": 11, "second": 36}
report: {"hour": 7, "minute": 40, "second": 20}
